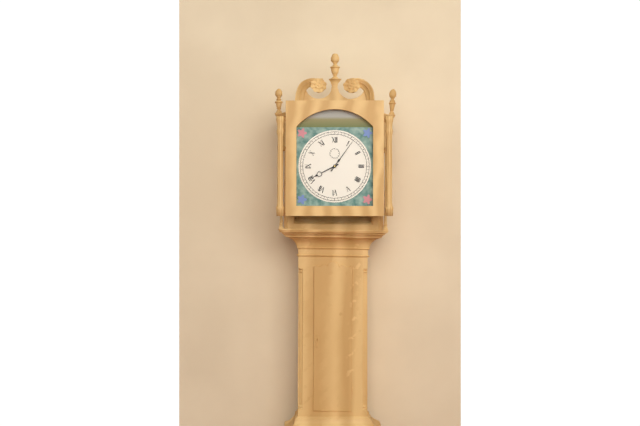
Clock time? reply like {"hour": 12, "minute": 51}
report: {"hour": 8, "minute": 6}
